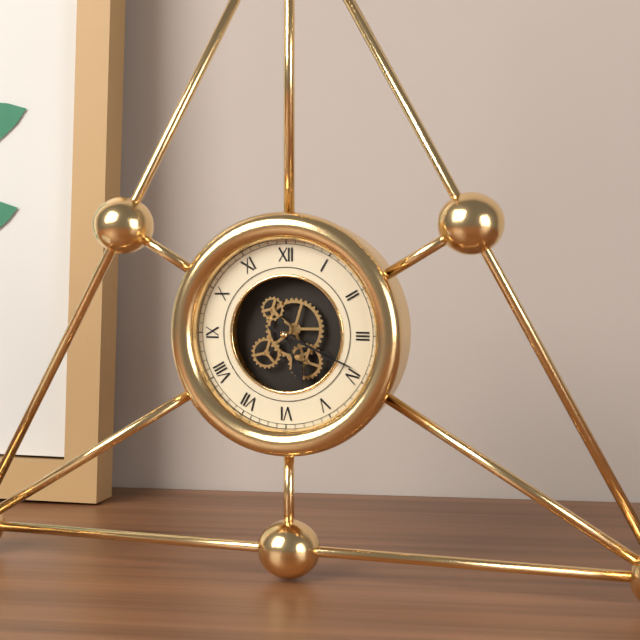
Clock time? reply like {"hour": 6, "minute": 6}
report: {"hour": 5, "minute": 19}
